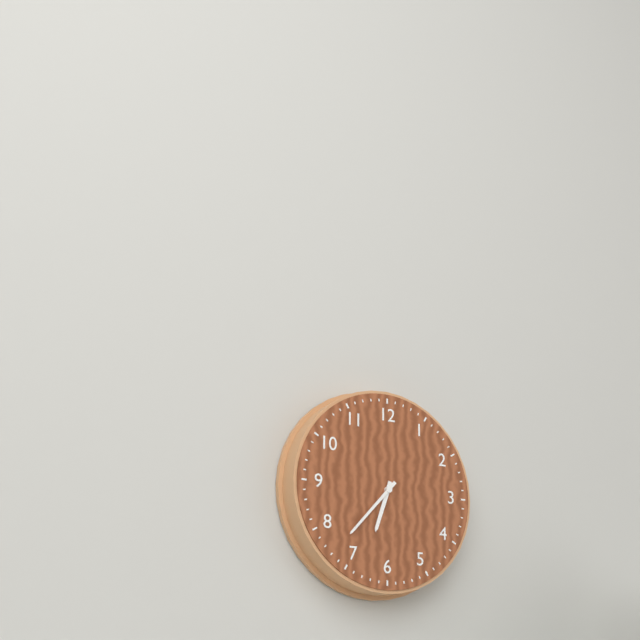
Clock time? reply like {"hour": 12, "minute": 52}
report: {"hour": 6, "minute": 37}
